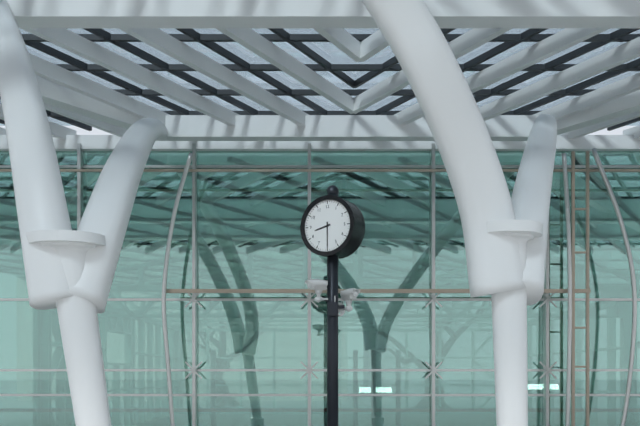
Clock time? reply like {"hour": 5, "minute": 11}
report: {"hour": 8, "minute": 30}
